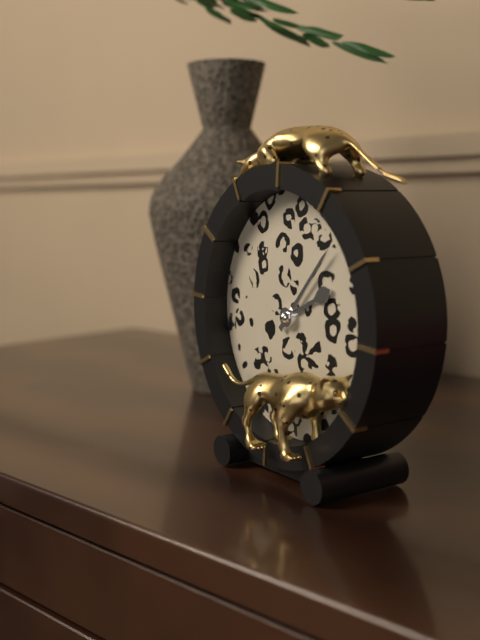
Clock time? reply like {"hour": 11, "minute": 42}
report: {"hour": 2, "minute": 7}
